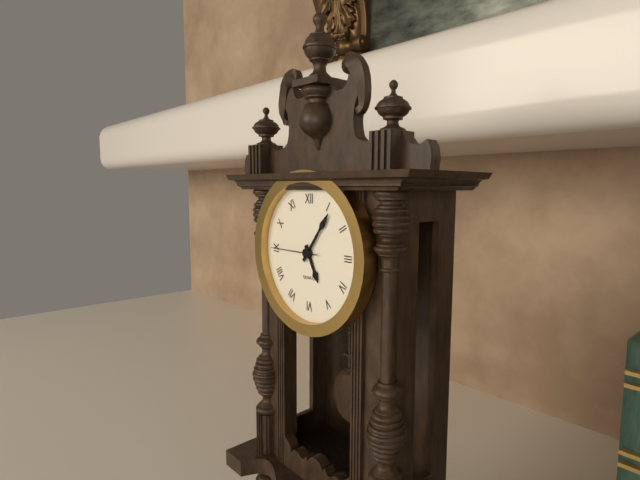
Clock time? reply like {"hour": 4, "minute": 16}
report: {"hour": 5, "minute": 6}
